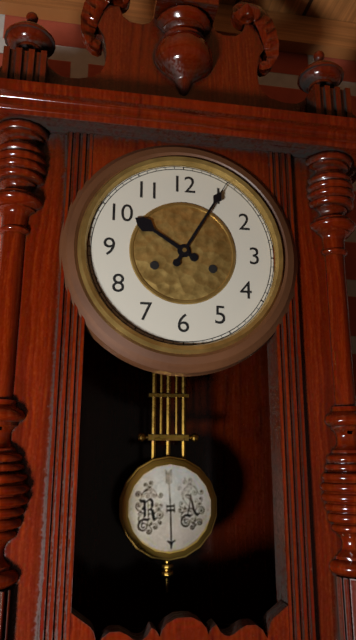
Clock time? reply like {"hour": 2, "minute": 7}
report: {"hour": 10, "minute": 5}
